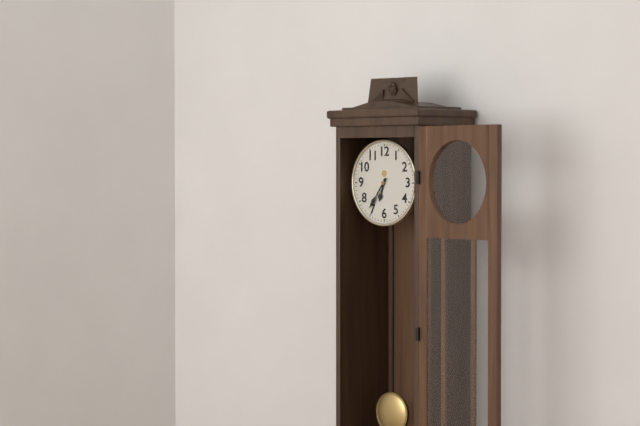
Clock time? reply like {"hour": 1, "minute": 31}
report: {"hour": 6, "minute": 36}
